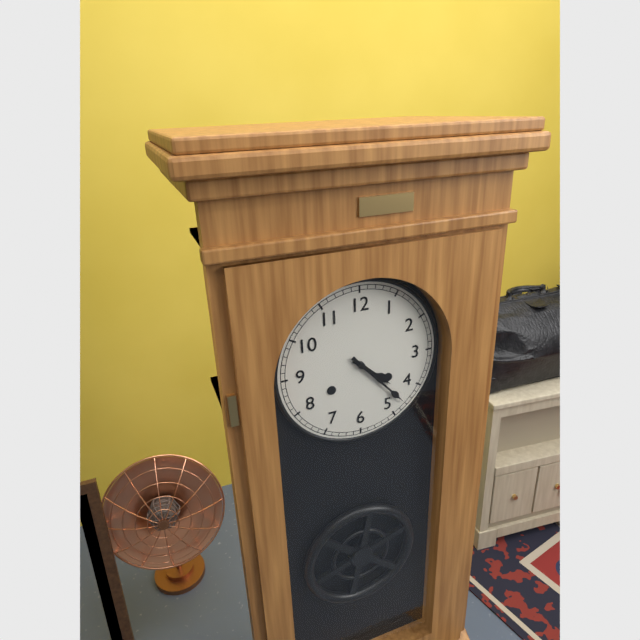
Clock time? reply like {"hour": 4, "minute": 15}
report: {"hour": 4, "minute": 23}
